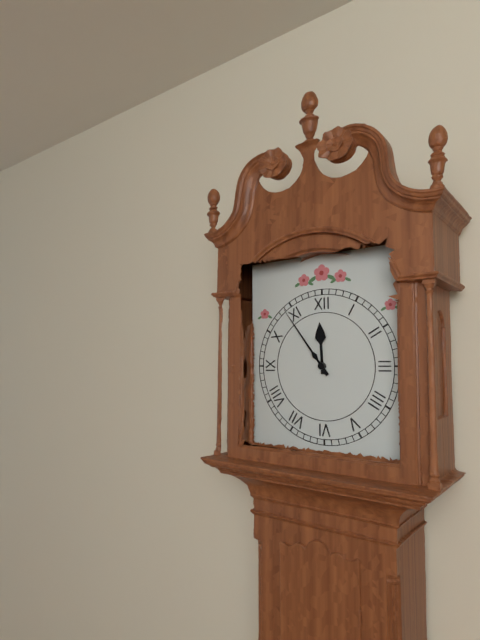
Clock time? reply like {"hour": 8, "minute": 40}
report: {"hour": 11, "minute": 54}
